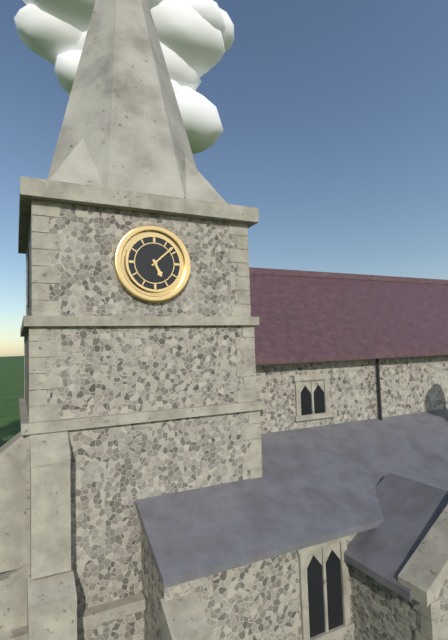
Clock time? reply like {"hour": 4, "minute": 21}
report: {"hour": 5, "minute": 8}
